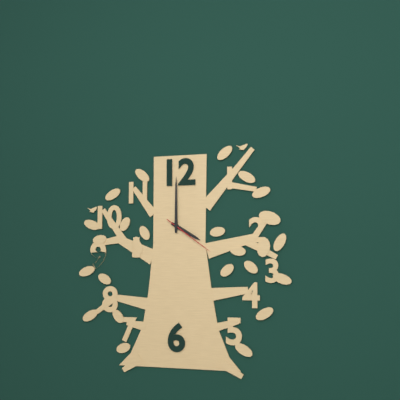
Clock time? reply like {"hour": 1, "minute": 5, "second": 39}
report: {"hour": 4, "minute": 0, "second": 21}
